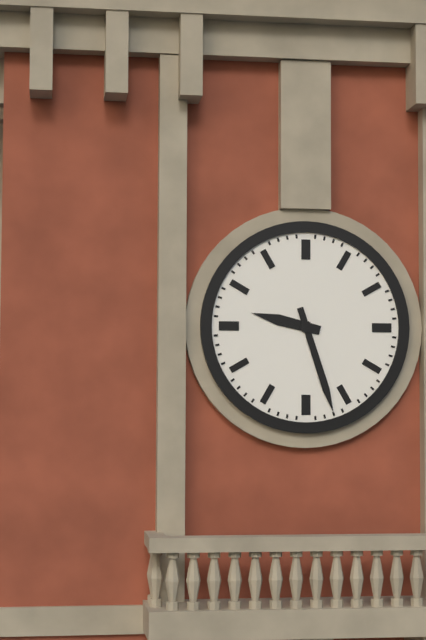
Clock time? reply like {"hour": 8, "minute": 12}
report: {"hour": 9, "minute": 27}
